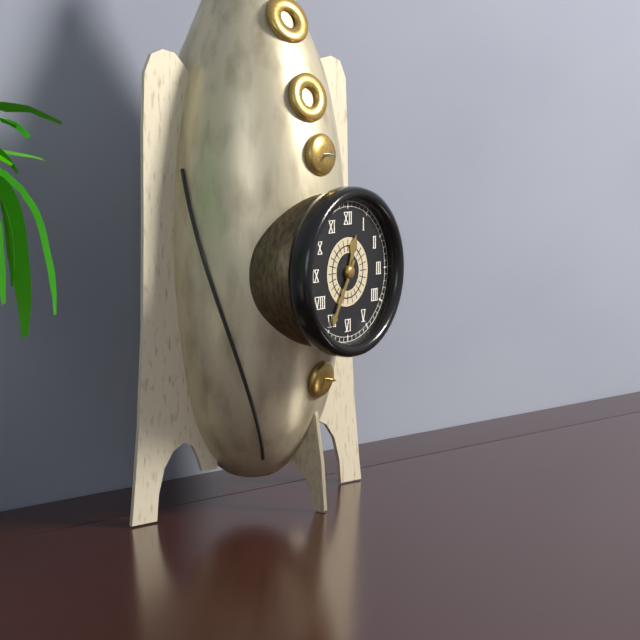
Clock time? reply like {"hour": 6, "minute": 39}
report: {"hour": 12, "minute": 35}
